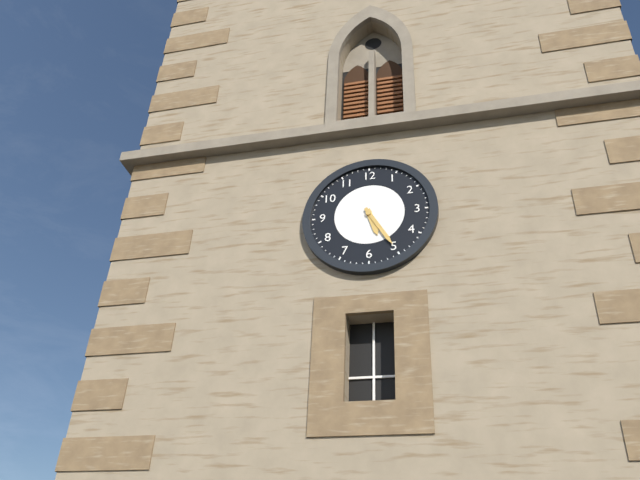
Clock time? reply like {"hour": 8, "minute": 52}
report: {"hour": 5, "minute": 25}
